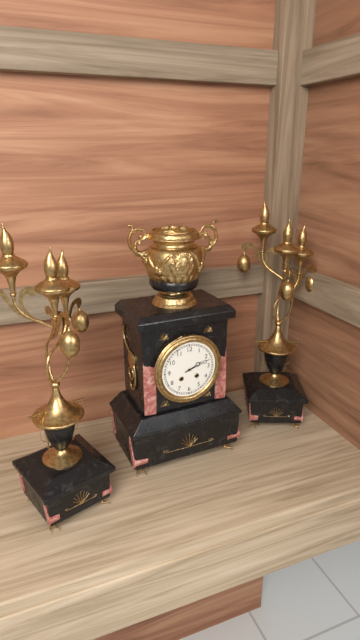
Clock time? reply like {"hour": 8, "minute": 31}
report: {"hour": 2, "minute": 12}
